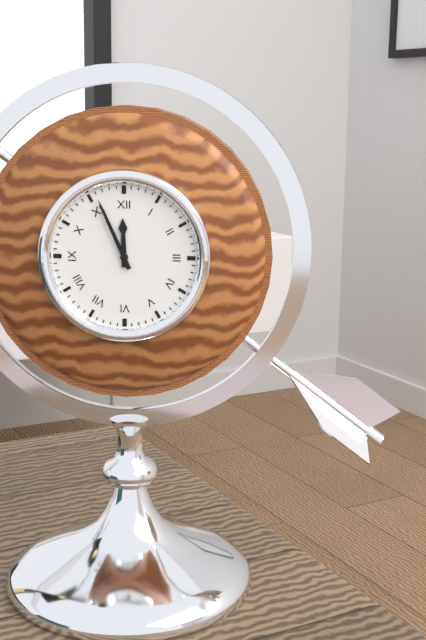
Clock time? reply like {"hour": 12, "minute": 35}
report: {"hour": 11, "minute": 56}
